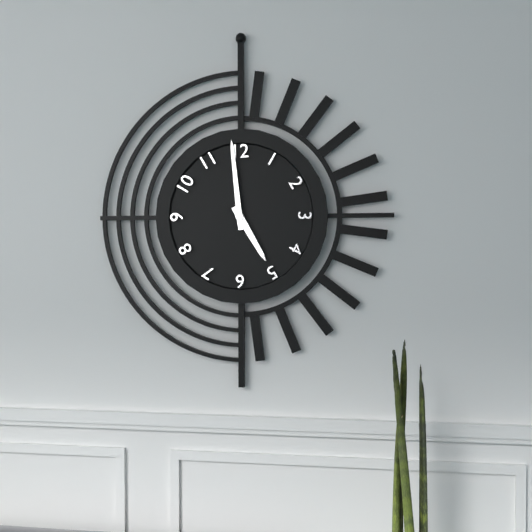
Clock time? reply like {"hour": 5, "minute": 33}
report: {"hour": 4, "minute": 59}
